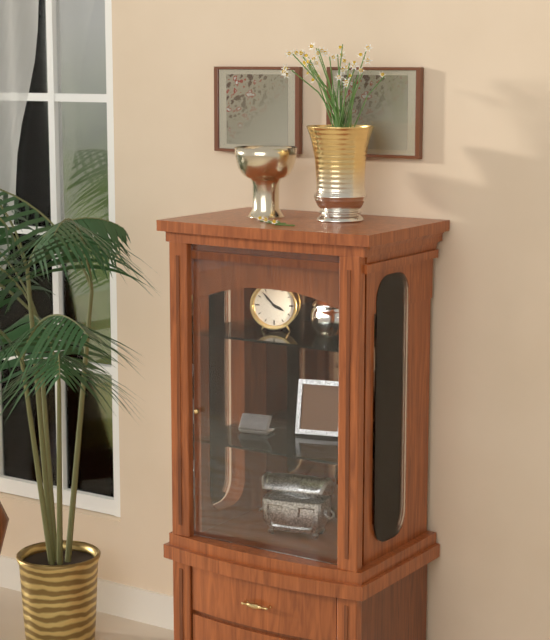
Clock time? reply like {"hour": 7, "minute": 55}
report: {"hour": 3, "minute": 53}
